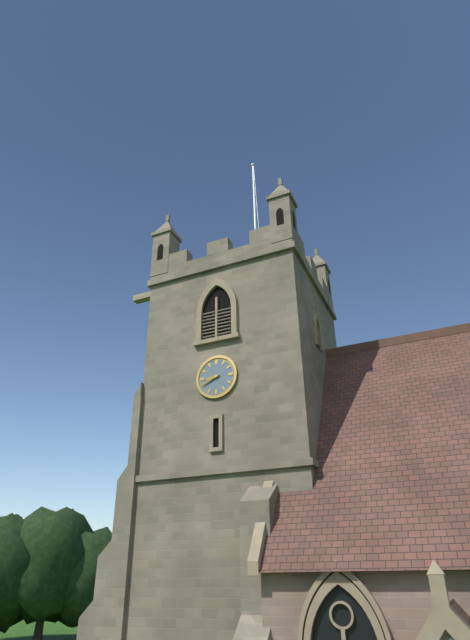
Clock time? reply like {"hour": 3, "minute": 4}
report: {"hour": 8, "minute": 41}
